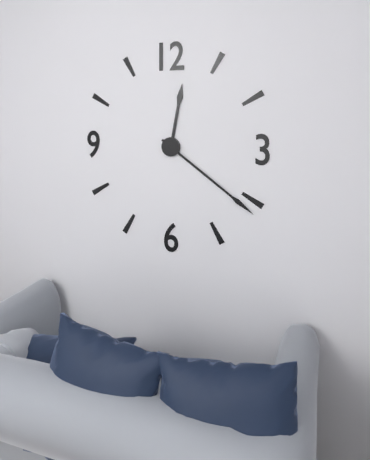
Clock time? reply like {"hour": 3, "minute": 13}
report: {"hour": 12, "minute": 21}
